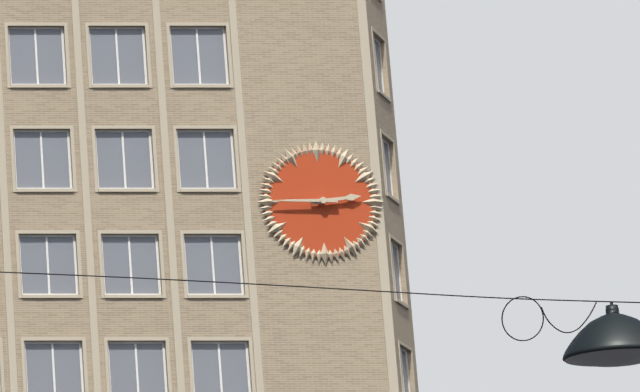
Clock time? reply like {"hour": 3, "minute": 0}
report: {"hour": 2, "minute": 45}
